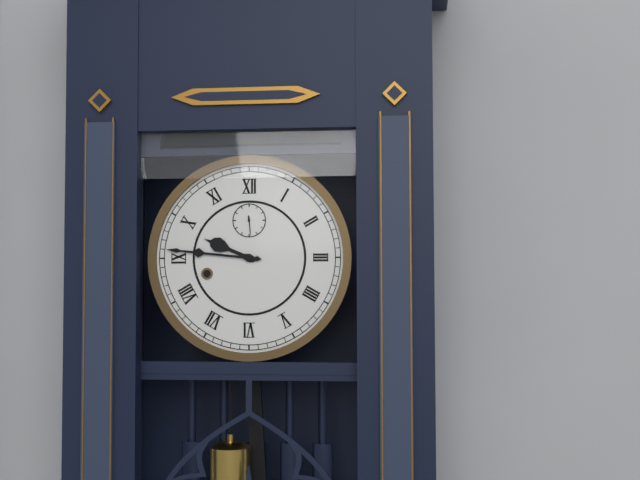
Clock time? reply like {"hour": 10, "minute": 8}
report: {"hour": 9, "minute": 46}
